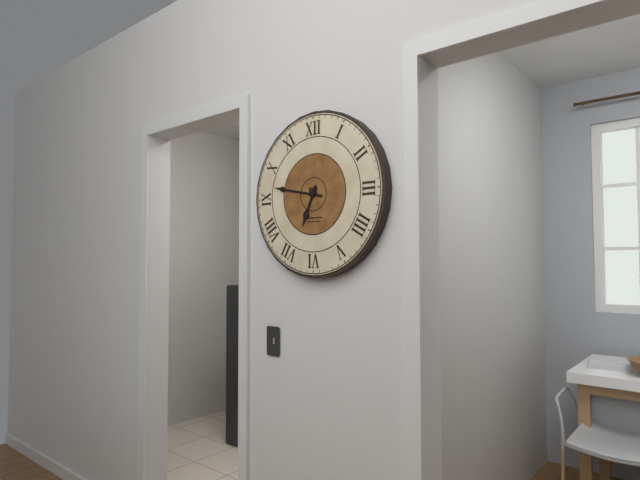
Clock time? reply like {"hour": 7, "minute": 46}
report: {"hour": 6, "minute": 47}
